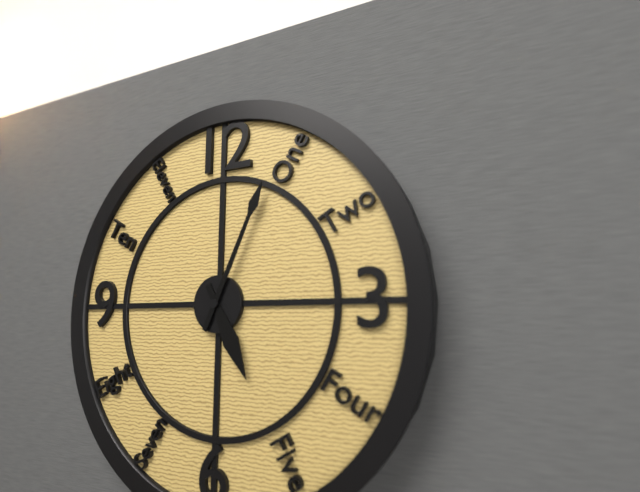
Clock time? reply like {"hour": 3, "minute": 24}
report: {"hour": 5, "minute": 4}
